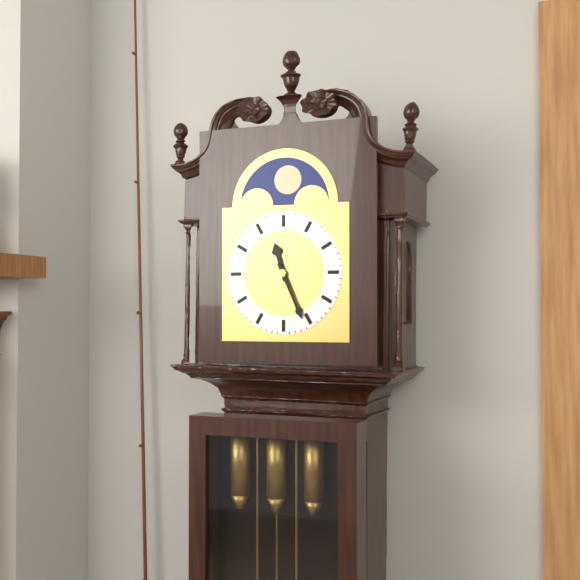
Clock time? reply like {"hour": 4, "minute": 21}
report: {"hour": 11, "minute": 26}
